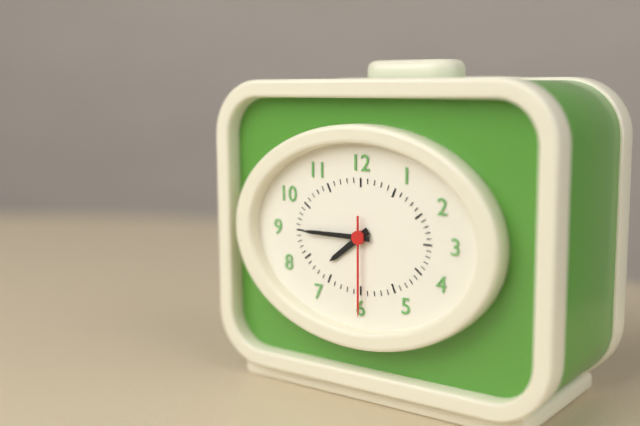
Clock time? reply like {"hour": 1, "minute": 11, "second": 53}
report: {"hour": 7, "minute": 45, "second": 30}
